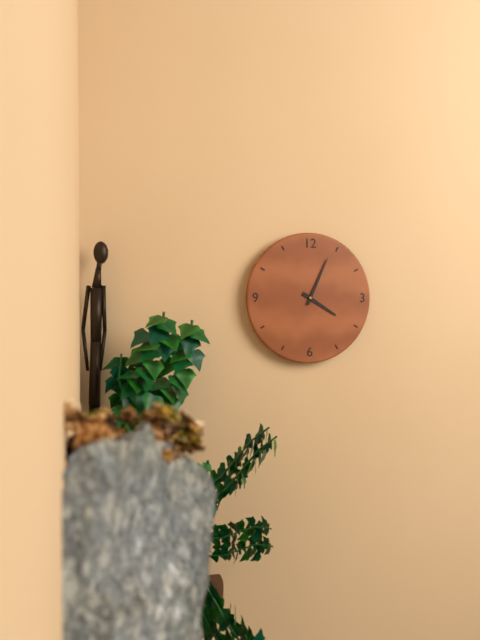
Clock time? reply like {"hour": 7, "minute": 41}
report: {"hour": 4, "minute": 4}
